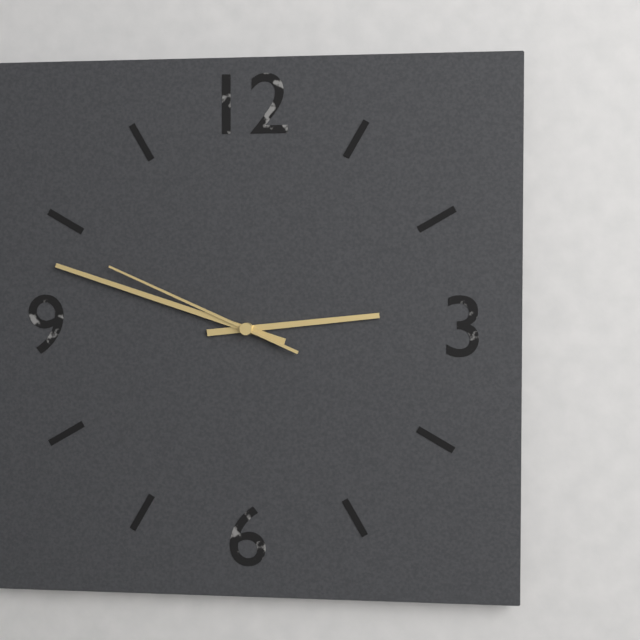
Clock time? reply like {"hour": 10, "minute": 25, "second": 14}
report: {"hour": 2, "minute": 48, "second": 49}
